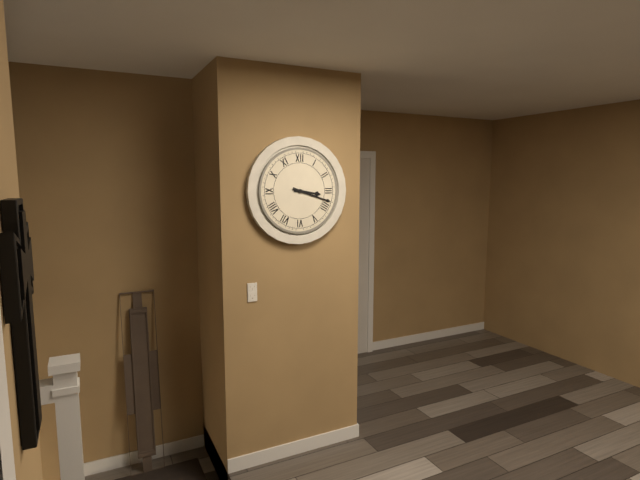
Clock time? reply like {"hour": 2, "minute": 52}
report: {"hour": 3, "minute": 18}
